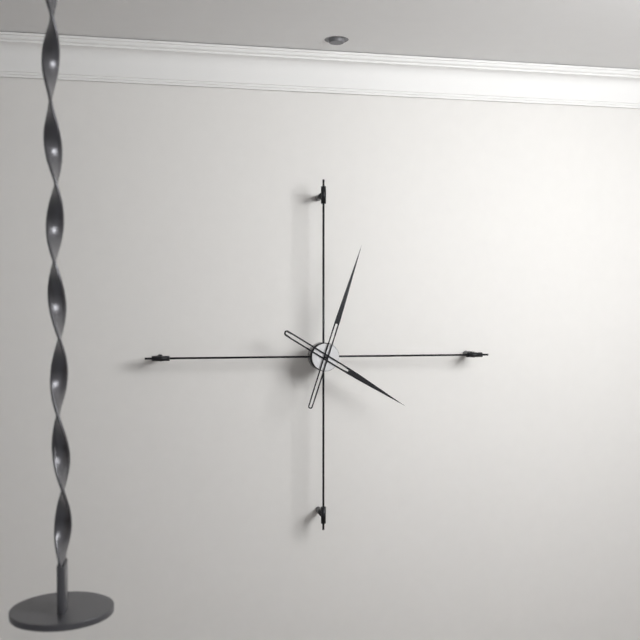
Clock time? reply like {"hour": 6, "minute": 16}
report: {"hour": 4, "minute": 3}
